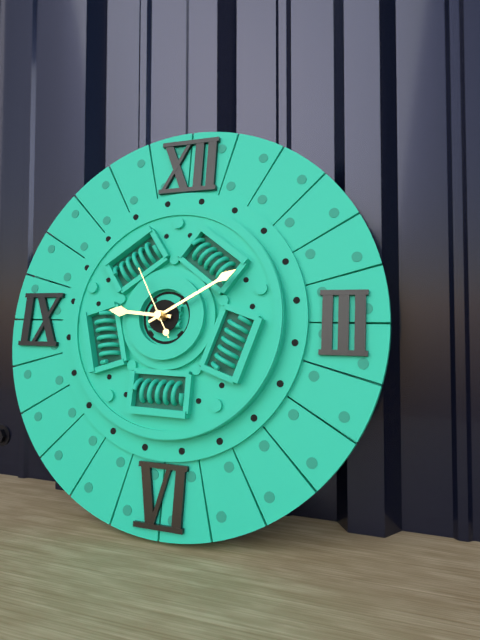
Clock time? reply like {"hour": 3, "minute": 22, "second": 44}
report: {"hour": 9, "minute": 10, "second": 55}
